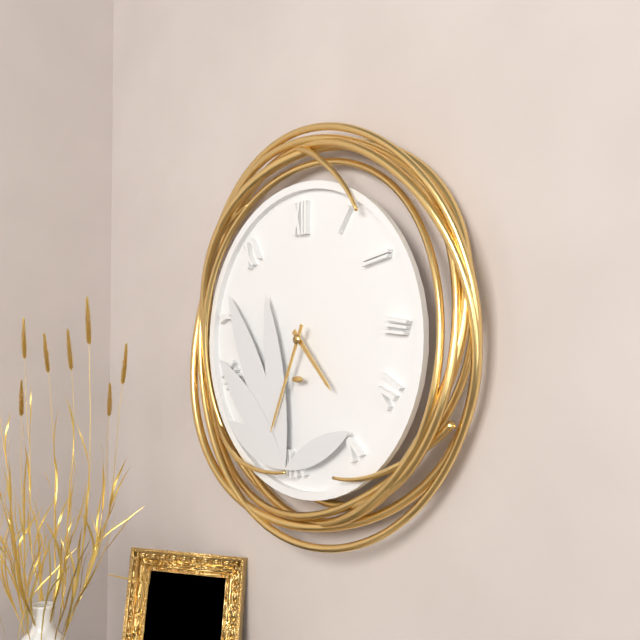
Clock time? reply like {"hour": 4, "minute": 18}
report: {"hour": 4, "minute": 34}
